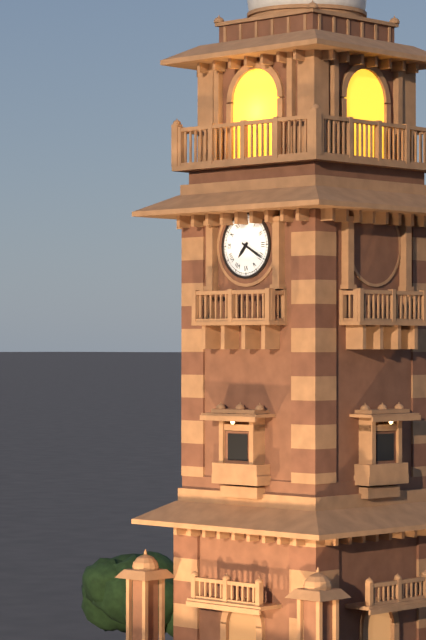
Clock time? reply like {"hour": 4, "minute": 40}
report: {"hour": 7, "minute": 20}
